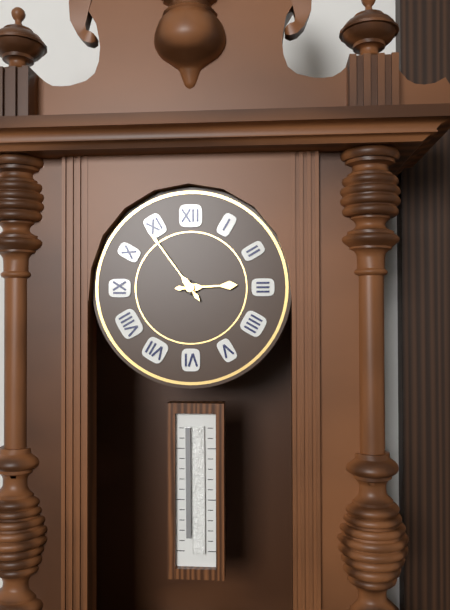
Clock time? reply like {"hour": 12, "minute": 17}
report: {"hour": 2, "minute": 54}
